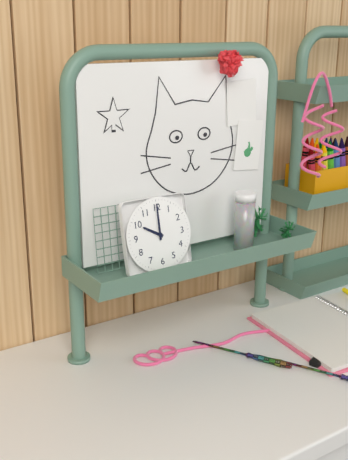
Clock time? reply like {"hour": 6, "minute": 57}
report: {"hour": 10, "minute": 0}
